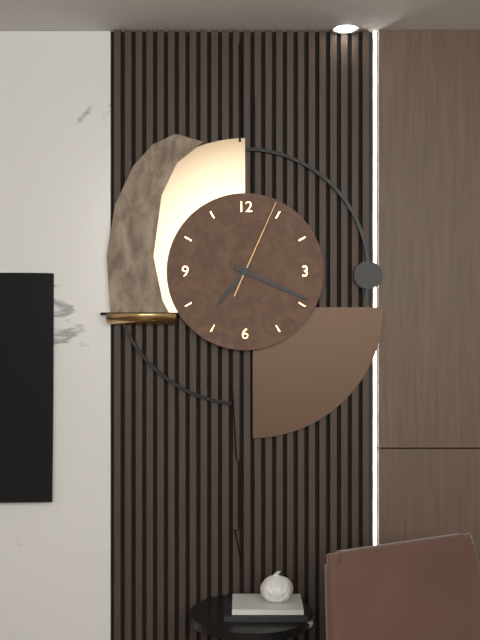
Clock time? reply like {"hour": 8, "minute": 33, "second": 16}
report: {"hour": 7, "minute": 19, "second": 4}
